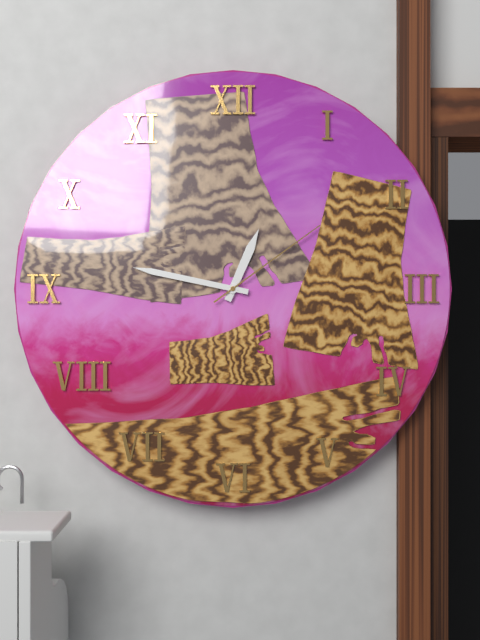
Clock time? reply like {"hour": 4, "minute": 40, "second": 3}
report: {"hour": 12, "minute": 47, "second": 9}
